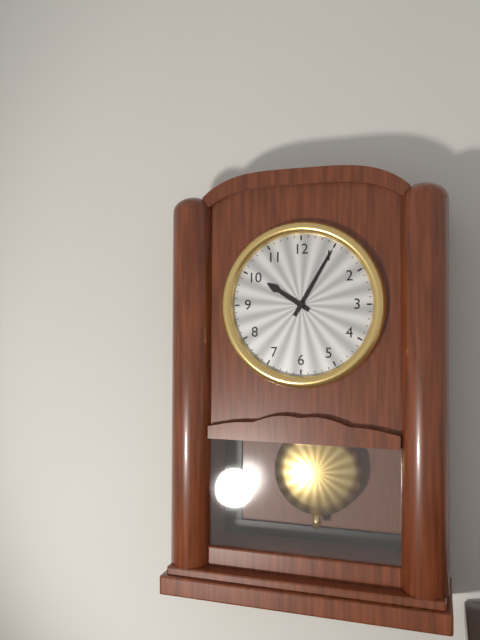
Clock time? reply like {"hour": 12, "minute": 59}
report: {"hour": 10, "minute": 5}
